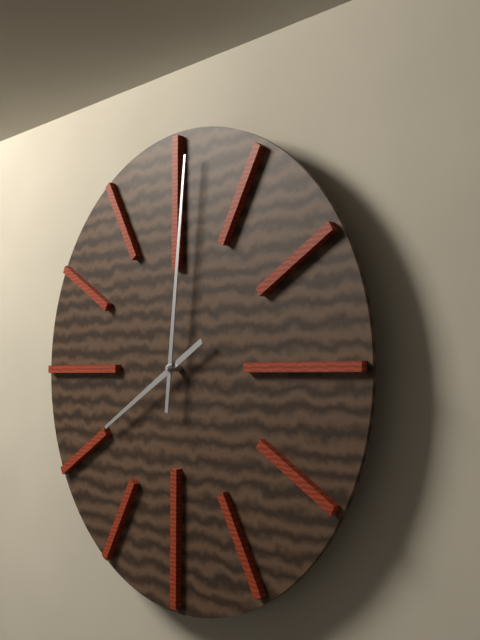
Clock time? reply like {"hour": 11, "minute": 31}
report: {"hour": 8, "minute": 1}
